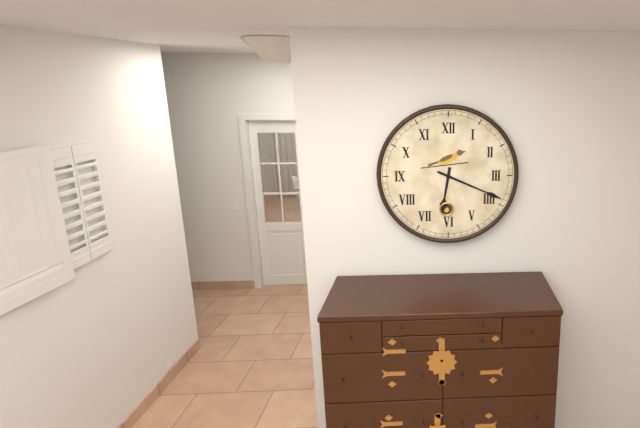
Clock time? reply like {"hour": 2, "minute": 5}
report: {"hour": 6, "minute": 19}
